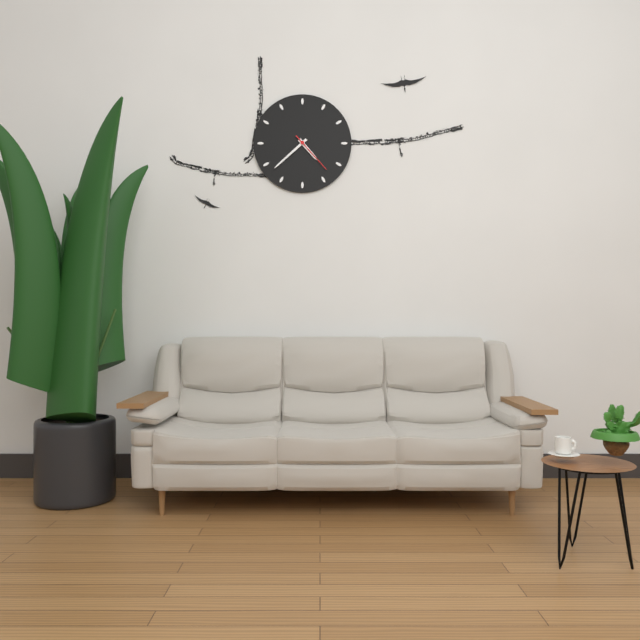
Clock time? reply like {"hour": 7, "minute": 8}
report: {"hour": 4, "minute": 38}
